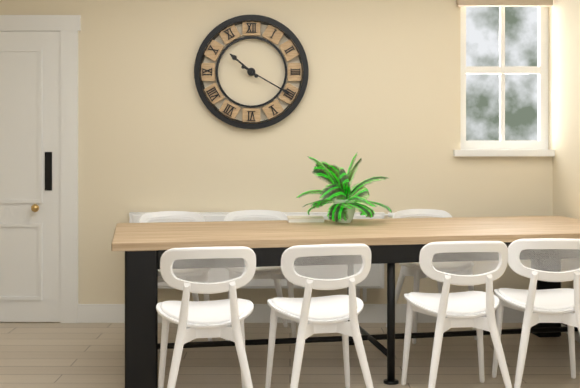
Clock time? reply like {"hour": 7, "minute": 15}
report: {"hour": 10, "minute": 20}
